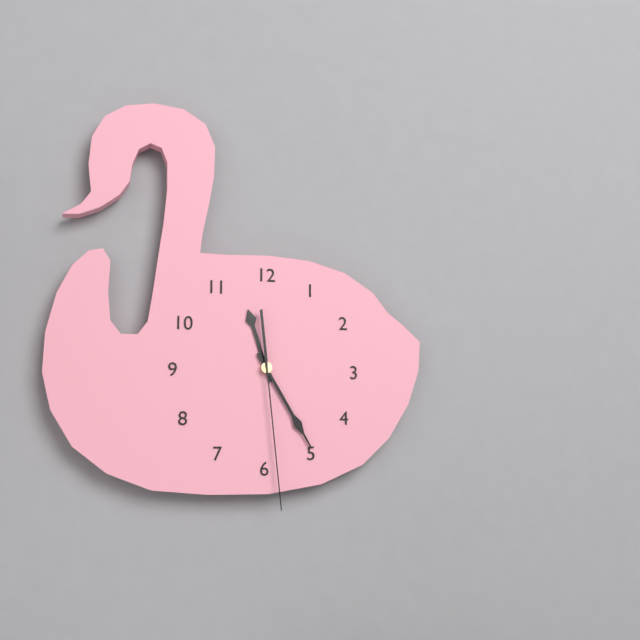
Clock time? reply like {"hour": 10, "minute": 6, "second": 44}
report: {"hour": 11, "minute": 25, "second": 29}
